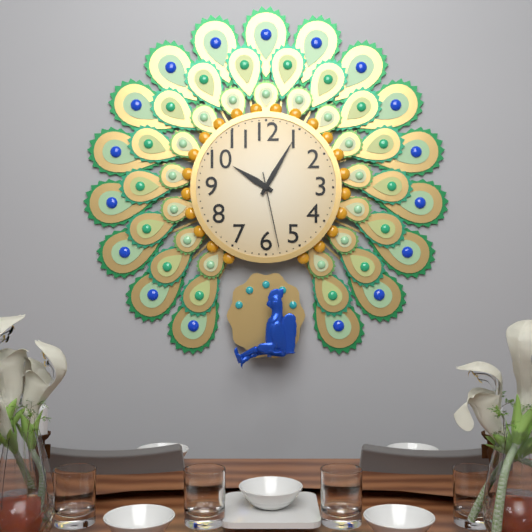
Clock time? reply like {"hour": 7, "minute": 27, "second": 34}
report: {"hour": 10, "minute": 5, "second": 28}
